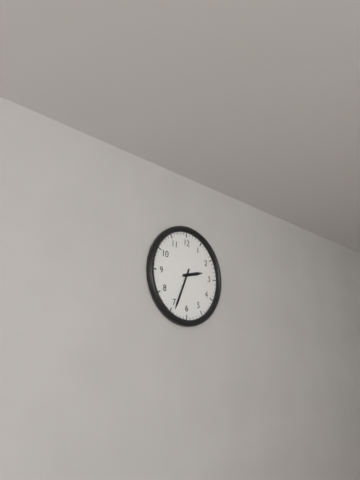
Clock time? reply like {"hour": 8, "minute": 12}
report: {"hour": 2, "minute": 34}
